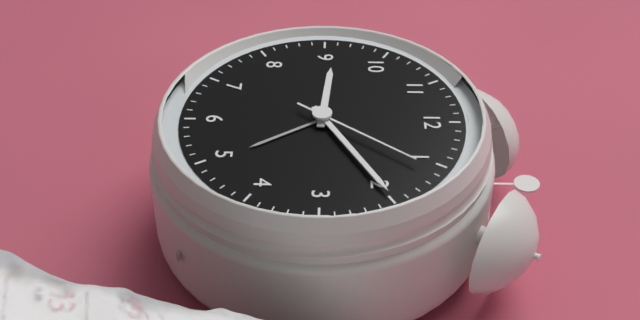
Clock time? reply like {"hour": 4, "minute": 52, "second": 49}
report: {"hour": 9, "minute": 10, "second": 6}
